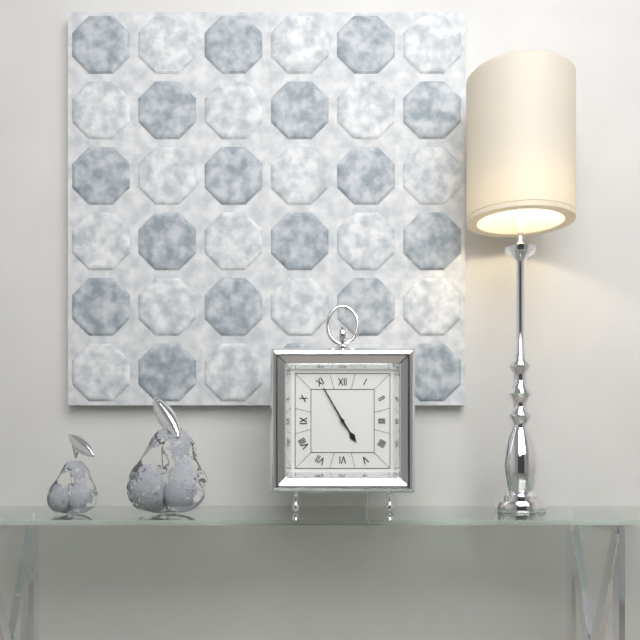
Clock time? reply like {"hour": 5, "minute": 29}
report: {"hour": 4, "minute": 55}
